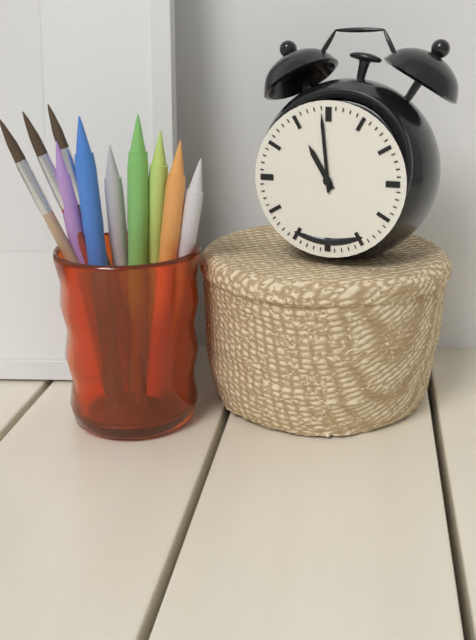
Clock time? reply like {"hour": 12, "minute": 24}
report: {"hour": 10, "minute": 59}
